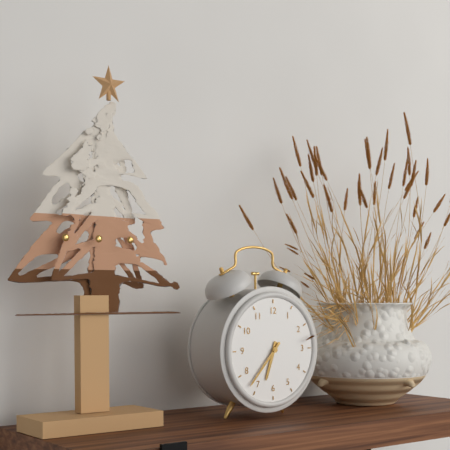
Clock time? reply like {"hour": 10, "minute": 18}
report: {"hour": 6, "minute": 37}
